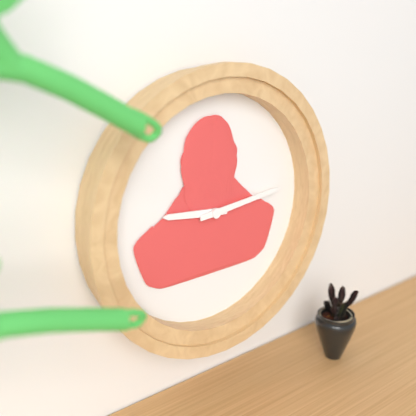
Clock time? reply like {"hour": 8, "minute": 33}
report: {"hour": 9, "minute": 14}
